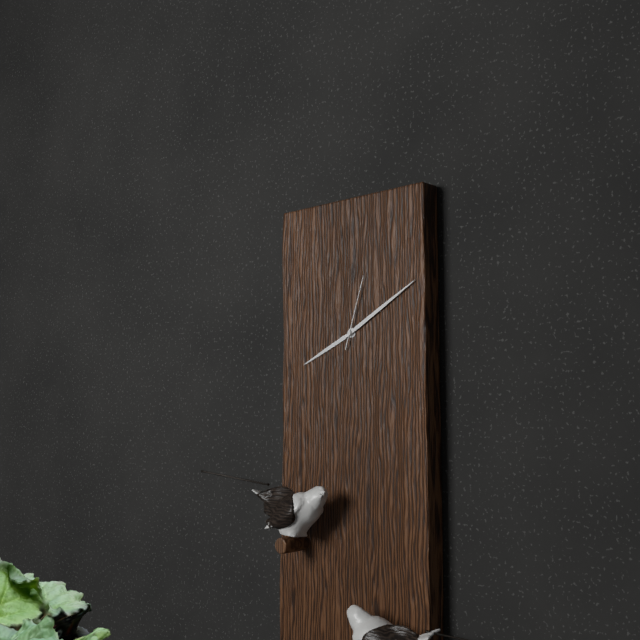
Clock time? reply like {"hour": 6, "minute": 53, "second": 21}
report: {"hour": 8, "minute": 10, "second": 3}
